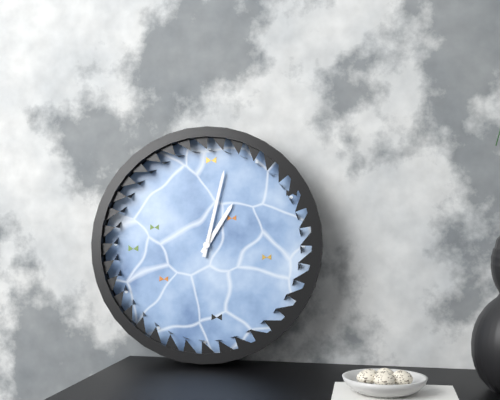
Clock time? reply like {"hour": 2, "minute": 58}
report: {"hour": 1, "minute": 2}
